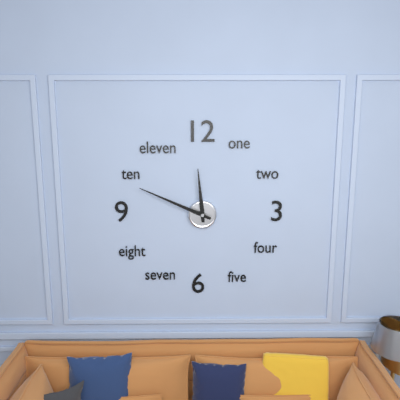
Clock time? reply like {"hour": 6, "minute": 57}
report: {"hour": 11, "minute": 49}
